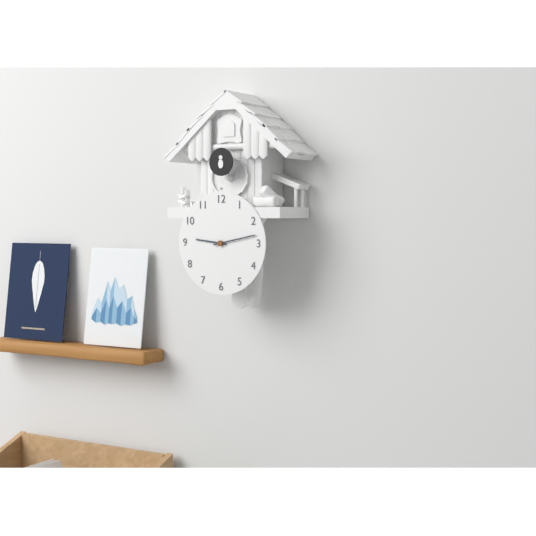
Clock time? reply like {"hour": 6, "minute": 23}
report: {"hour": 9, "minute": 13}
